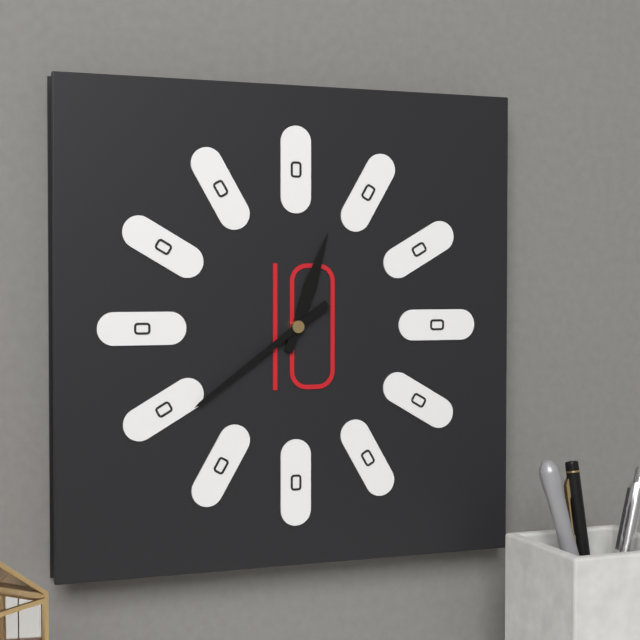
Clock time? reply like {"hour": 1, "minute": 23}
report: {"hour": 12, "minute": 39}
